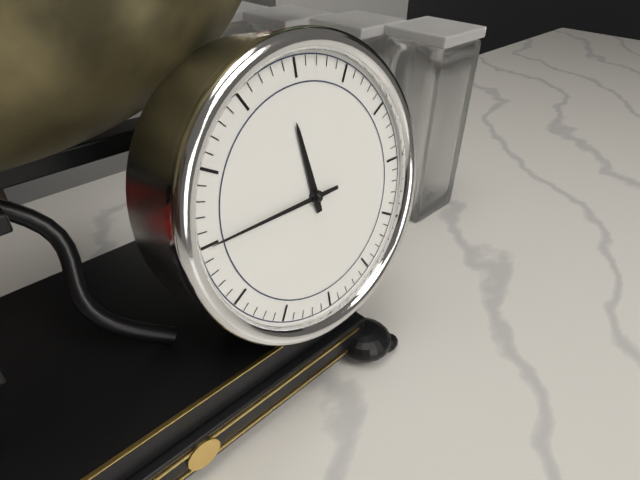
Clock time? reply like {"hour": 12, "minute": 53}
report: {"hour": 11, "minute": 45}
